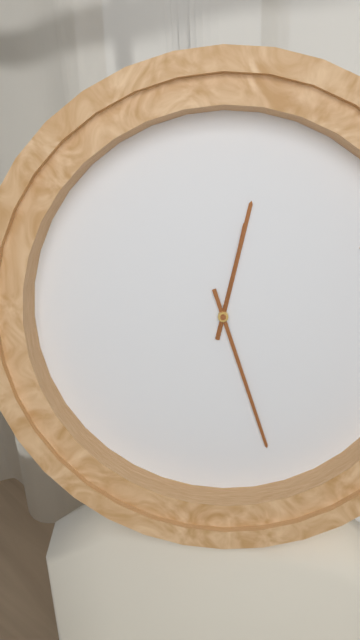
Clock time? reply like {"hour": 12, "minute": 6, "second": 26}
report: {"hour": 12, "minute": 27, "second": 2}
